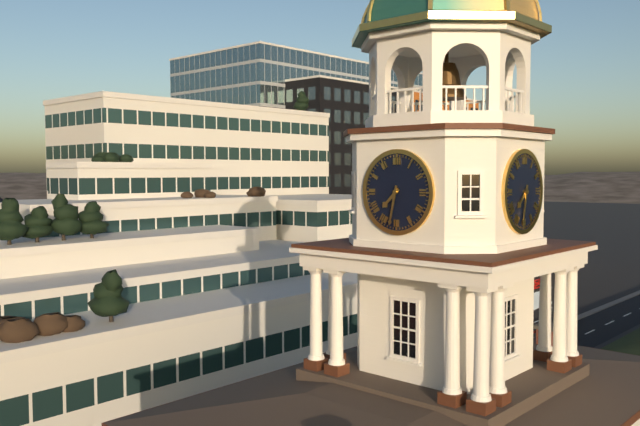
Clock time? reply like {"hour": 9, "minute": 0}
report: {"hour": 7, "minute": 32}
